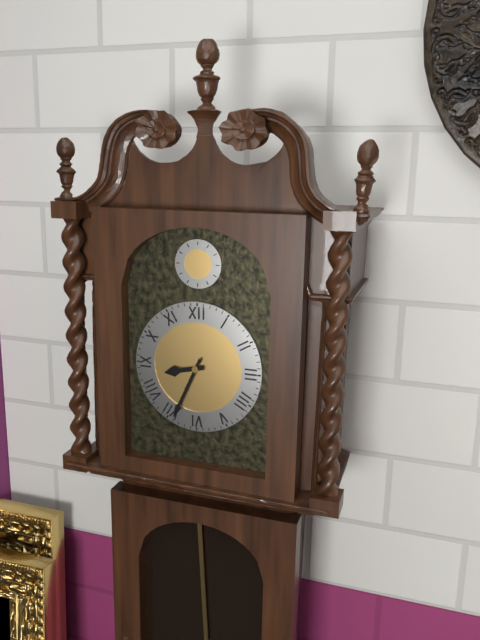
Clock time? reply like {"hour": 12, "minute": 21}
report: {"hour": 8, "minute": 34}
